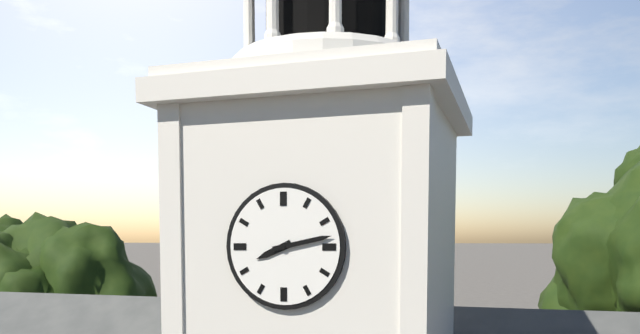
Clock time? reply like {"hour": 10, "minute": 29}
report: {"hour": 8, "minute": 13}
